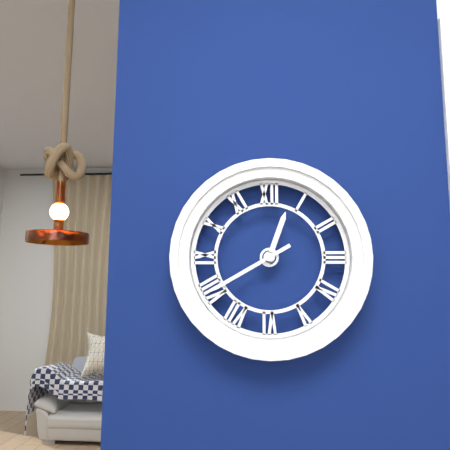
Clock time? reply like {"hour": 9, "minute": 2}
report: {"hour": 12, "minute": 40}
